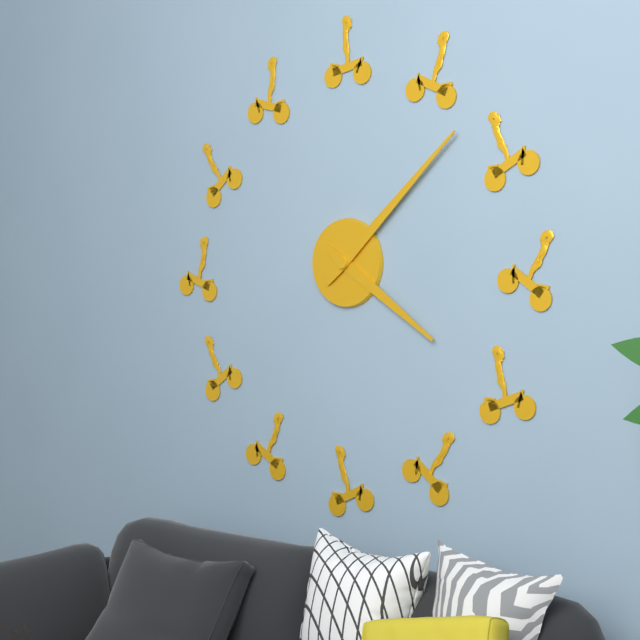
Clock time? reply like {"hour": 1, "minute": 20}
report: {"hour": 4, "minute": 8}
